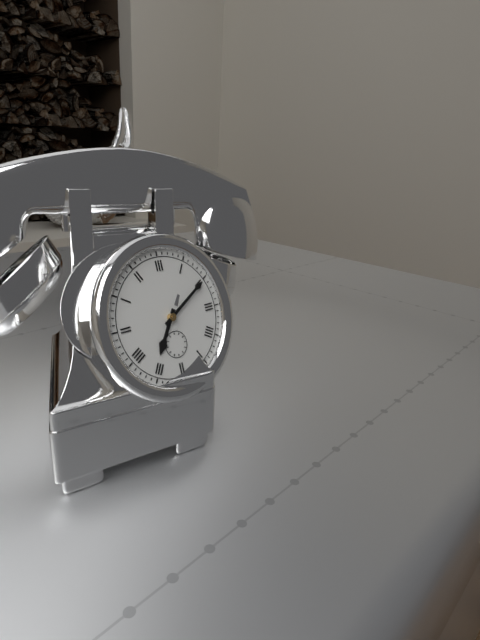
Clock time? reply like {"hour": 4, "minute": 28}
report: {"hour": 7, "minute": 10}
